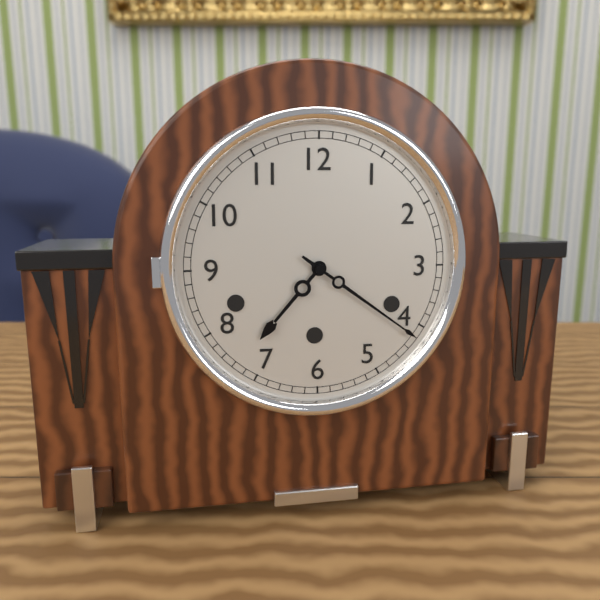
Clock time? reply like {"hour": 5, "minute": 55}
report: {"hour": 7, "minute": 21}
